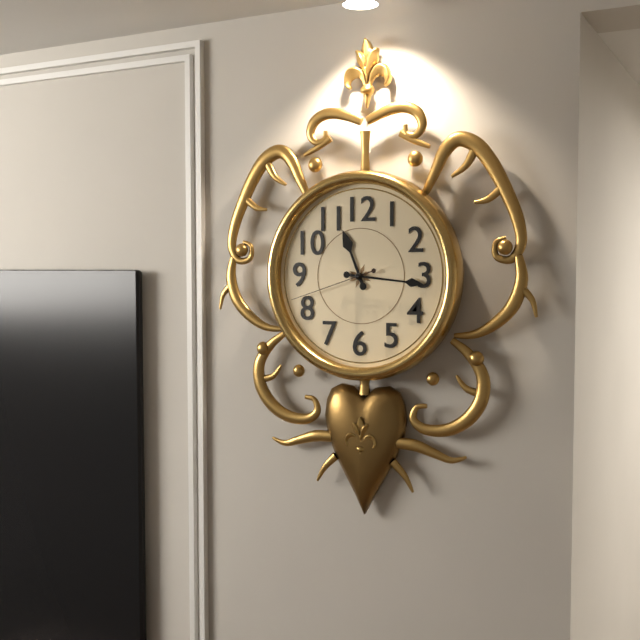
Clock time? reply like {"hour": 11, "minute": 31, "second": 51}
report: {"hour": 11, "minute": 16, "second": 42}
